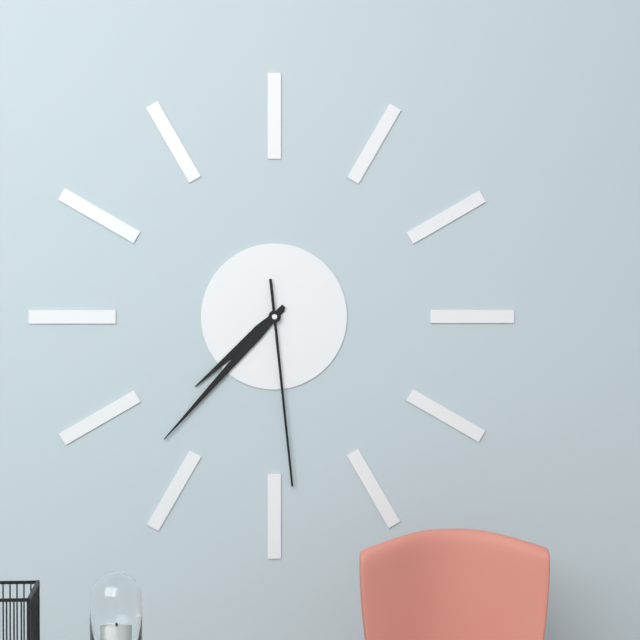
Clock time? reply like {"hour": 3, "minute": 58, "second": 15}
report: {"hour": 7, "minute": 37, "second": 29}
